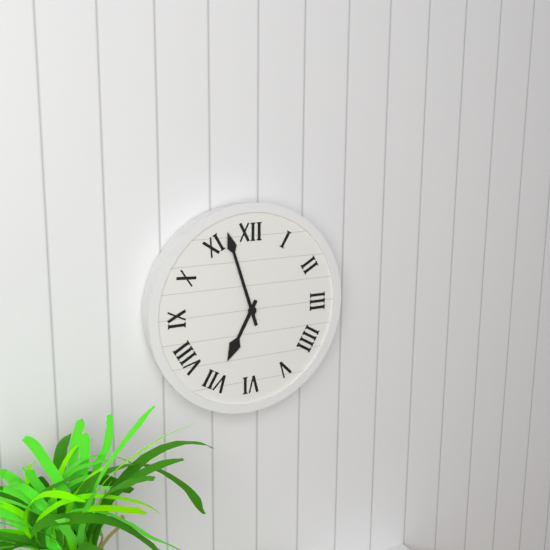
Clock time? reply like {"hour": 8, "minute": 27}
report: {"hour": 6, "minute": 57}
